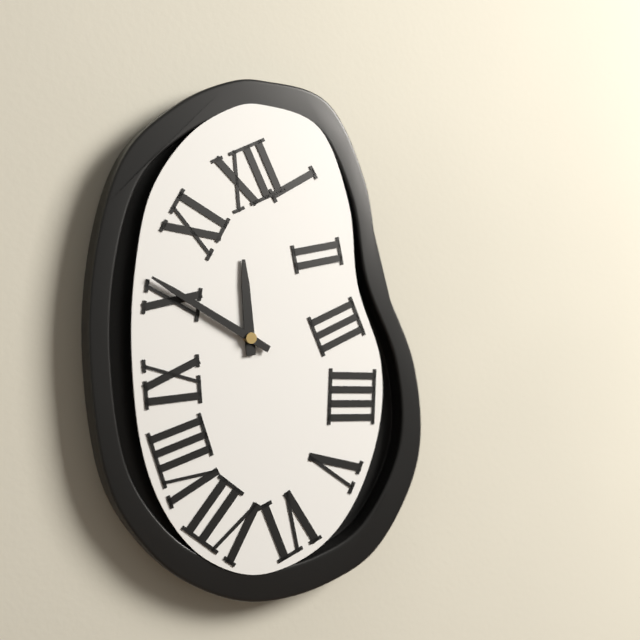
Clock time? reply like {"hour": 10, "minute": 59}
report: {"hour": 11, "minute": 50}
